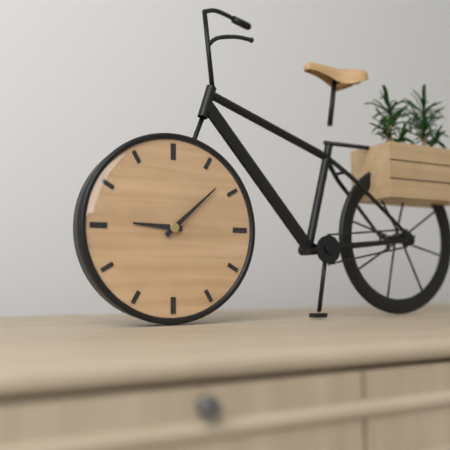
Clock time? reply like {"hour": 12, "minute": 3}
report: {"hour": 9, "minute": 8}
